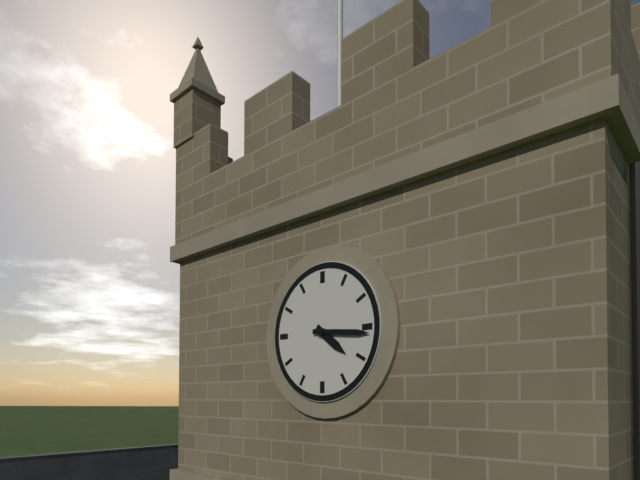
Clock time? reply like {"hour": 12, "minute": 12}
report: {"hour": 4, "minute": 16}
